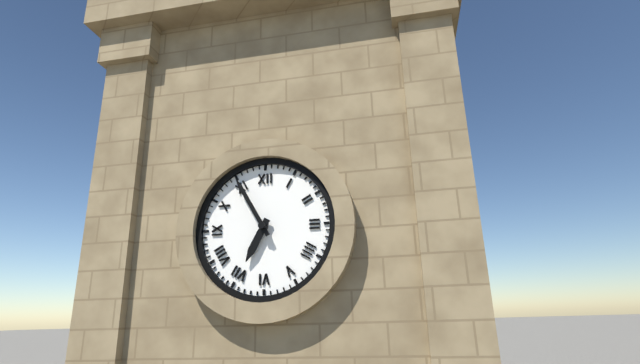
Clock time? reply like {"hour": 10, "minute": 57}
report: {"hour": 6, "minute": 55}
